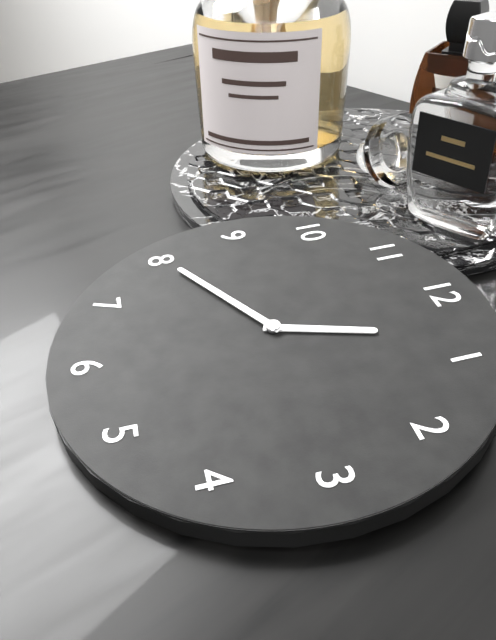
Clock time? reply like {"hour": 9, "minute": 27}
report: {"hour": 12, "minute": 40}
